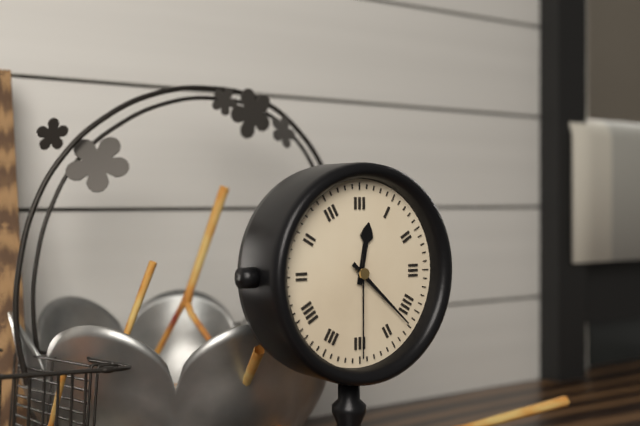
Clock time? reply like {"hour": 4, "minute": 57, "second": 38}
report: {"hour": 12, "minute": 22, "second": 30}
